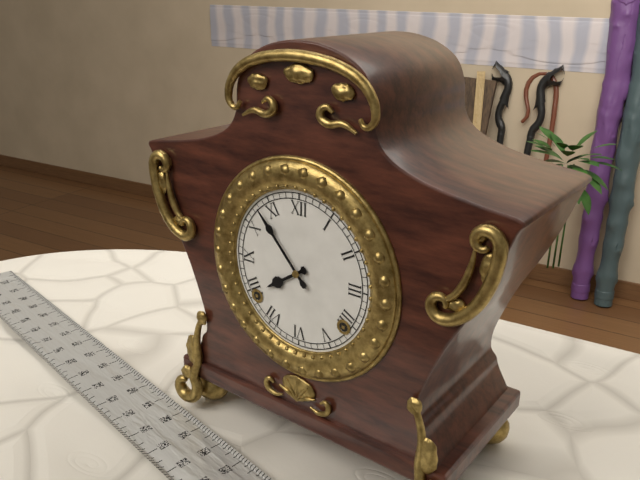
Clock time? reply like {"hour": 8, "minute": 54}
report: {"hour": 7, "minute": 53}
